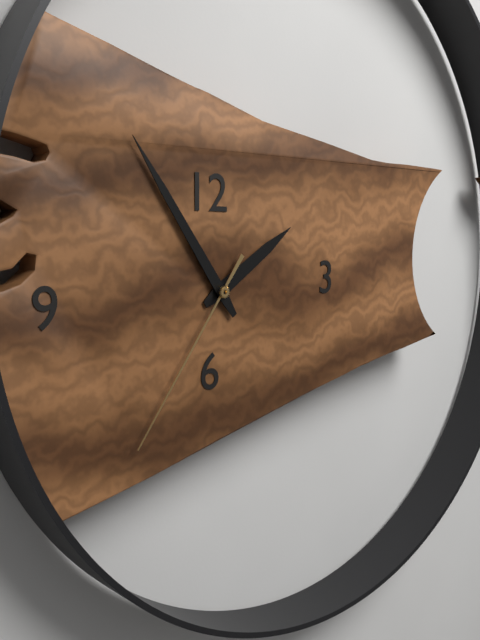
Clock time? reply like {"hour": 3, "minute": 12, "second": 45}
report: {"hour": 1, "minute": 54, "second": 36}
